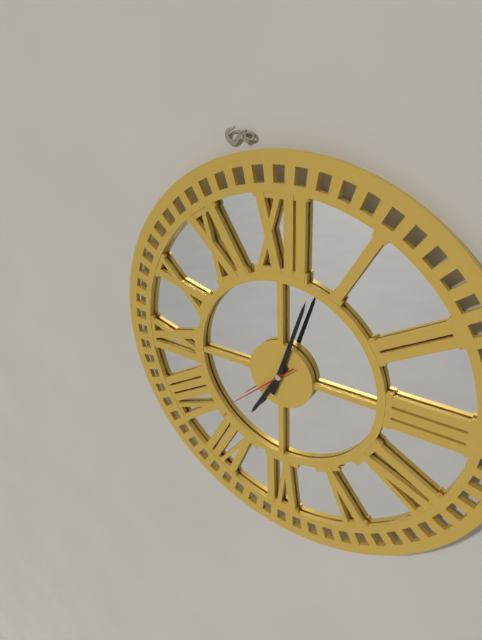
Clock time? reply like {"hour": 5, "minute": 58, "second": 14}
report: {"hour": 7, "minute": 3, "second": 38}
